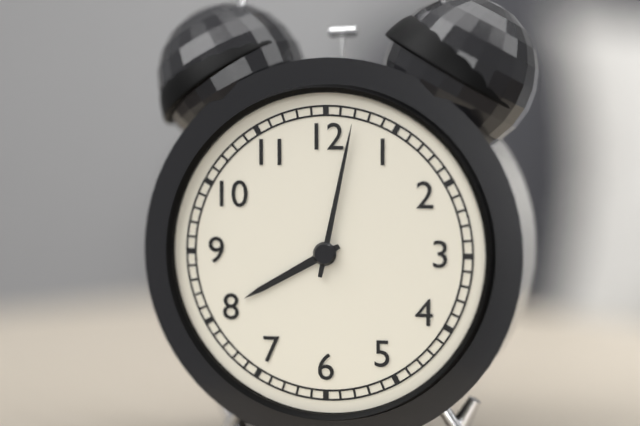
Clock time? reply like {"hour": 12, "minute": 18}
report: {"hour": 8, "minute": 2}
